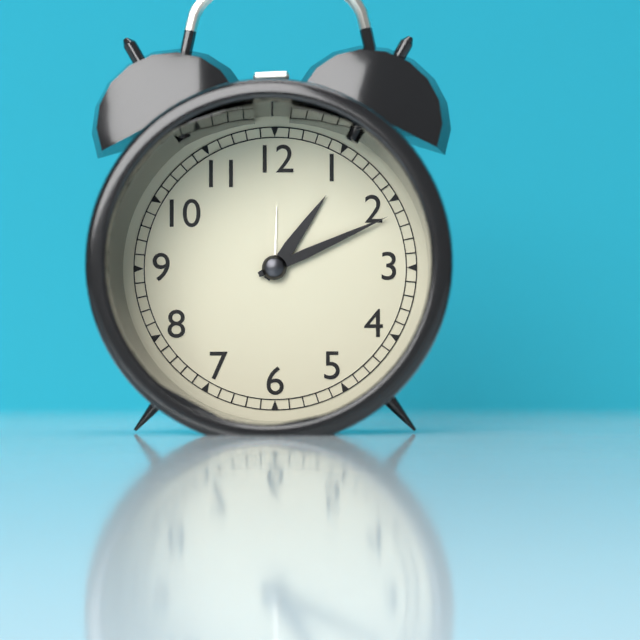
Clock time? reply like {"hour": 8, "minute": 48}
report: {"hour": 1, "minute": 11}
